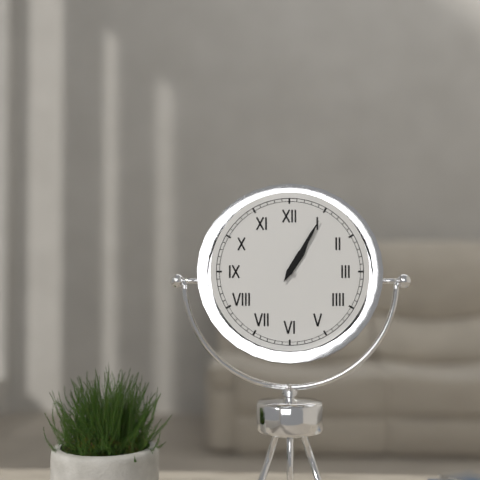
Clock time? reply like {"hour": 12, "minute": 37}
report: {"hour": 1, "minute": 5}
